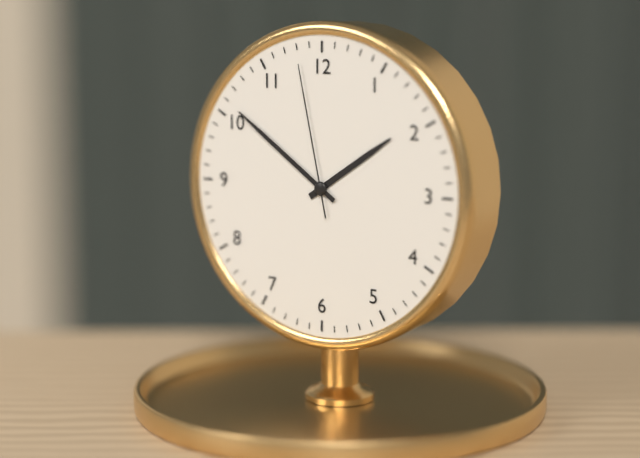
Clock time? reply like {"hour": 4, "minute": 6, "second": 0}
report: {"hour": 1, "minute": 51, "second": 58}
